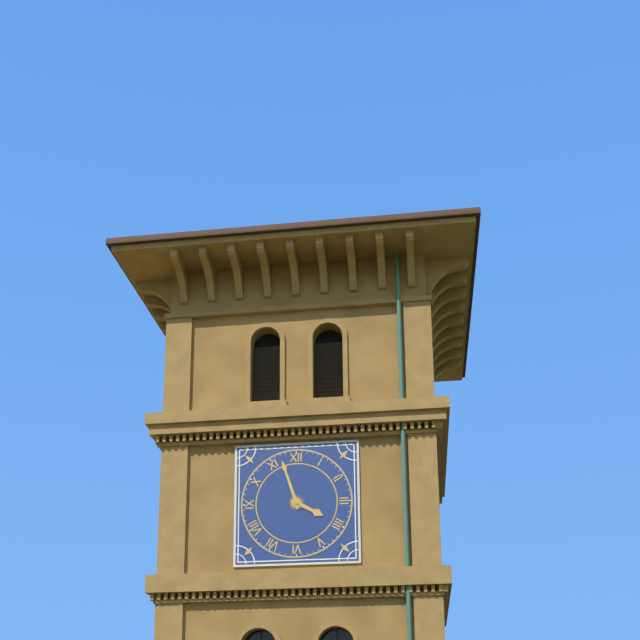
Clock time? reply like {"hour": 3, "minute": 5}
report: {"hour": 3, "minute": 57}
